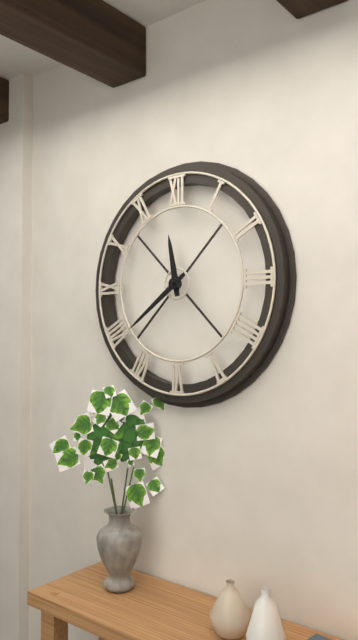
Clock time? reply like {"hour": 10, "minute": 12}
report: {"hour": 11, "minute": 39}
